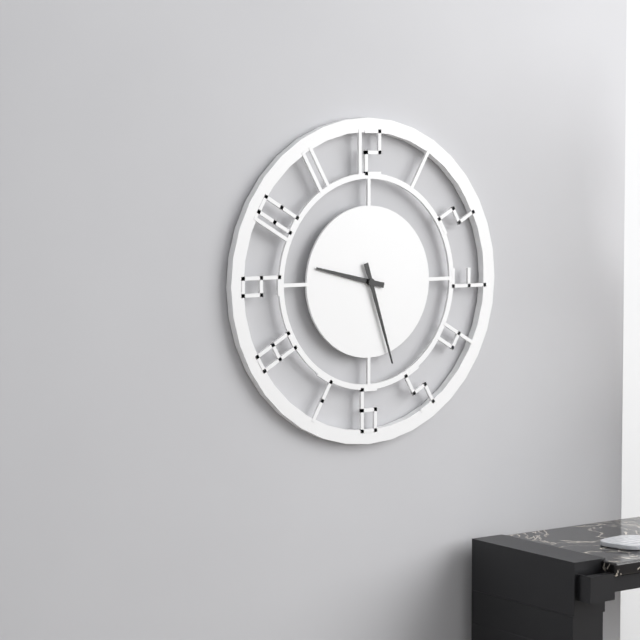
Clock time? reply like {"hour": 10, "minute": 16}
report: {"hour": 9, "minute": 27}
